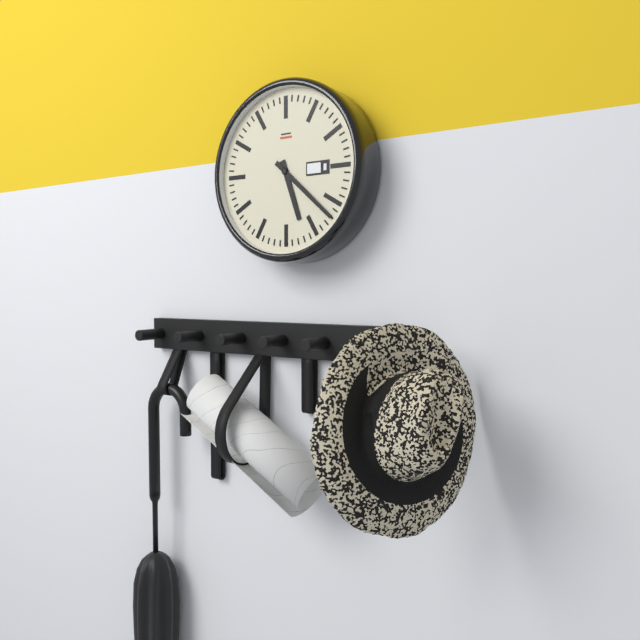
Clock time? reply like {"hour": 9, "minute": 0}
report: {"hour": 5, "minute": 22}
